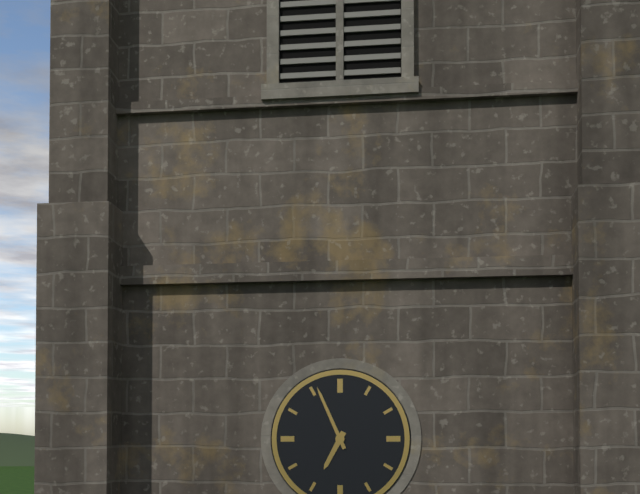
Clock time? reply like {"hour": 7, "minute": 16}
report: {"hour": 6, "minute": 56}
